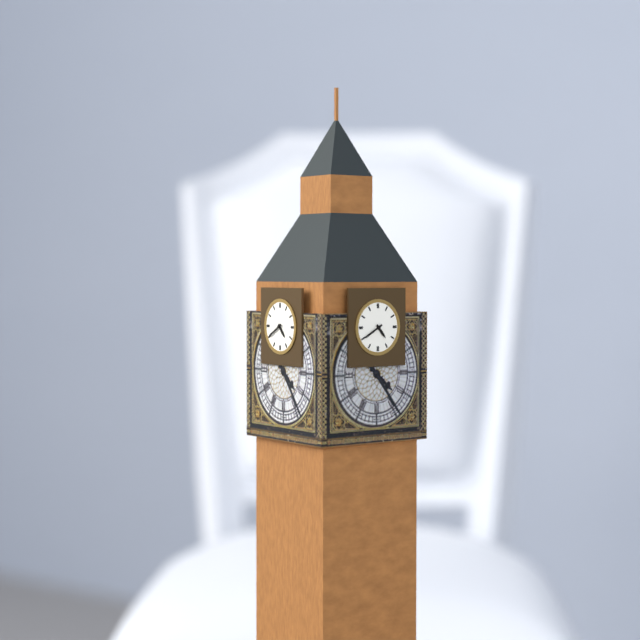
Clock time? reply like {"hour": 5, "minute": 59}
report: {"hour": 4, "minute": 40}
